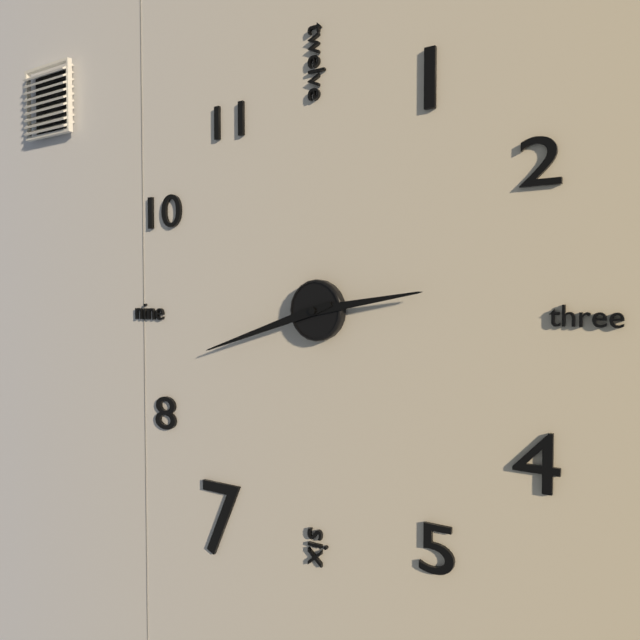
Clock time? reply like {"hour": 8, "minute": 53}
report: {"hour": 2, "minute": 42}
